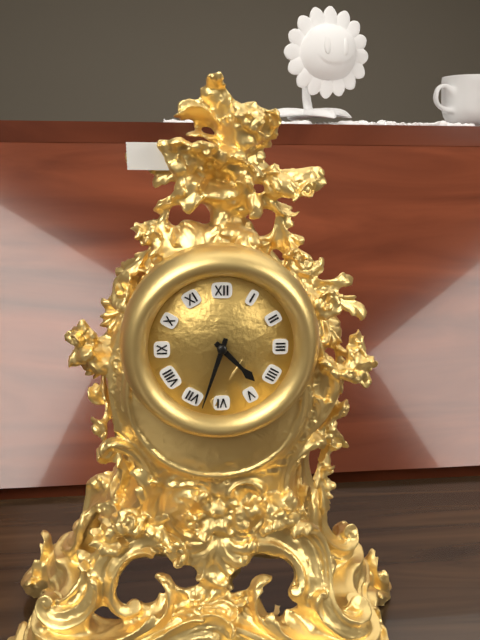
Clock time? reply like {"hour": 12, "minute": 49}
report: {"hour": 4, "minute": 33}
